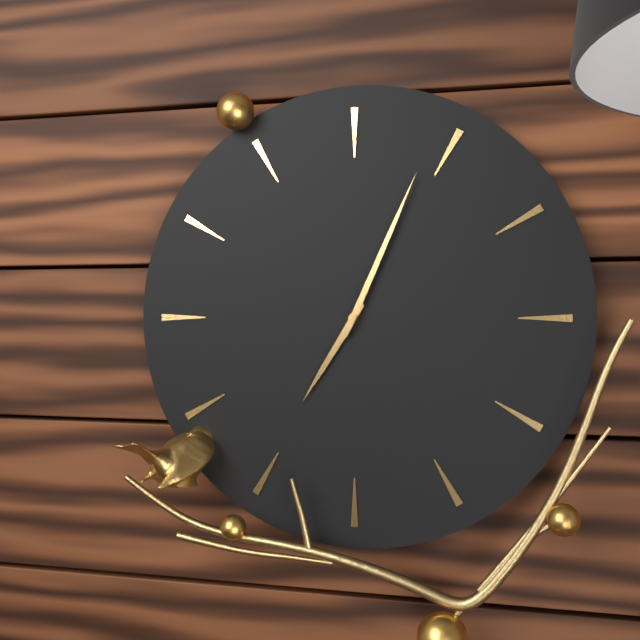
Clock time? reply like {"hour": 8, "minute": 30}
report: {"hour": 7, "minute": 4}
